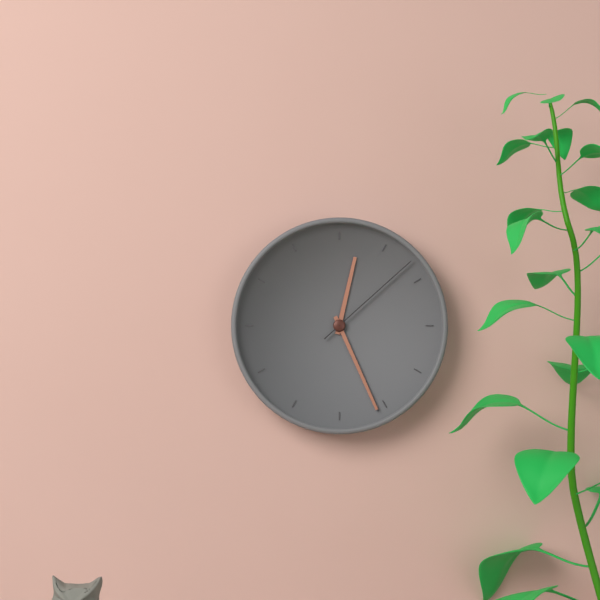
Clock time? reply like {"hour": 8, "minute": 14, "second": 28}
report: {"hour": 12, "minute": 26, "second": 8}
